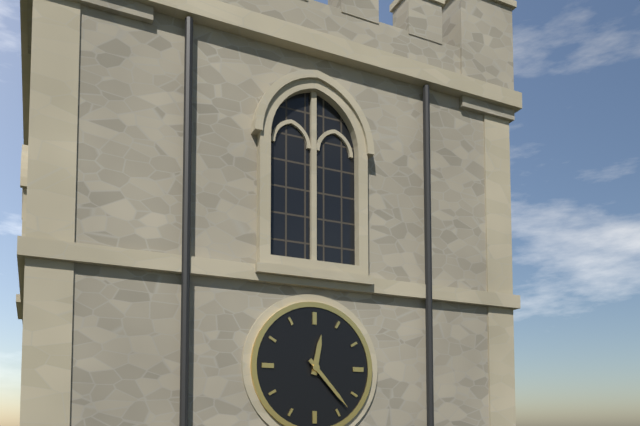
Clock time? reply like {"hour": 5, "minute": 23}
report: {"hour": 12, "minute": 23}
